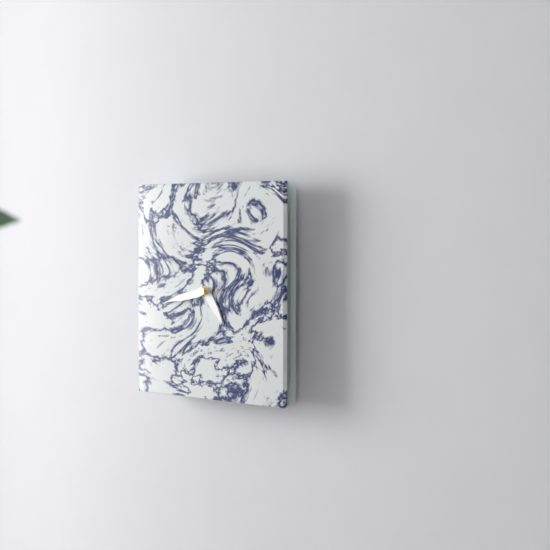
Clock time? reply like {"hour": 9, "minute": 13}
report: {"hour": 4, "minute": 43}
